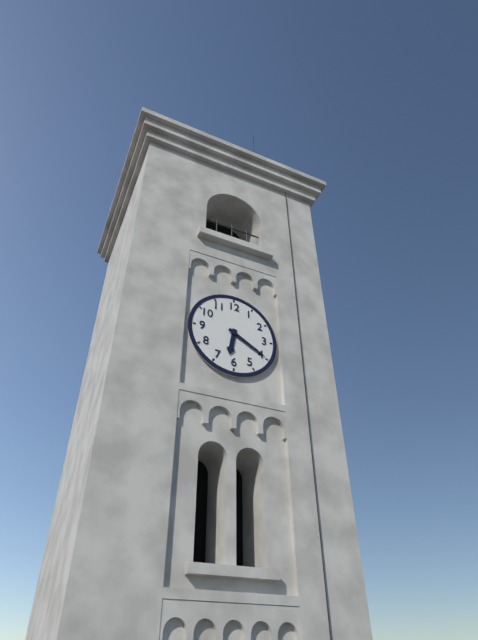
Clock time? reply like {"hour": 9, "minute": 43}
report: {"hour": 6, "minute": 20}
